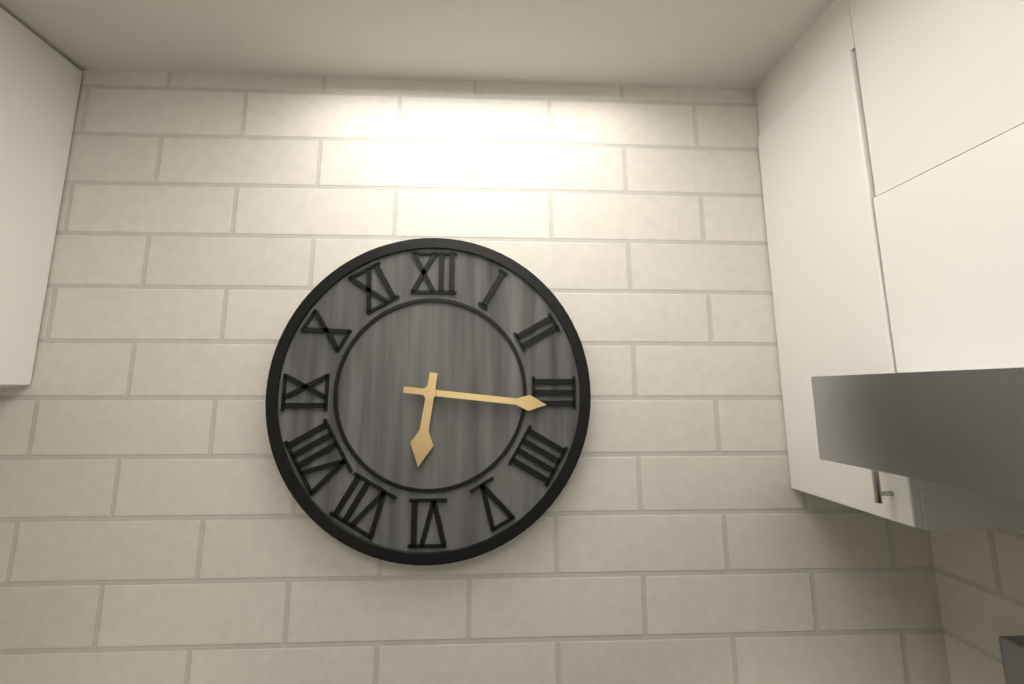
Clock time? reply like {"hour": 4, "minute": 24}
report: {"hour": 6, "minute": 16}
